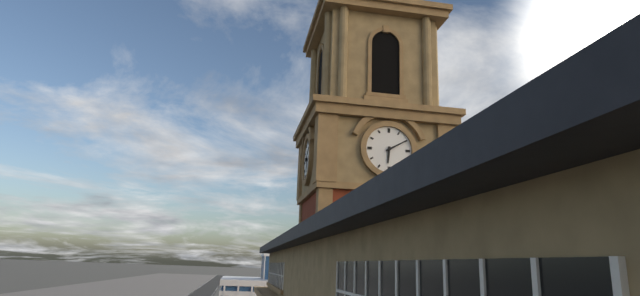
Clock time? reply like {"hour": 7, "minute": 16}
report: {"hour": 6, "minute": 10}
